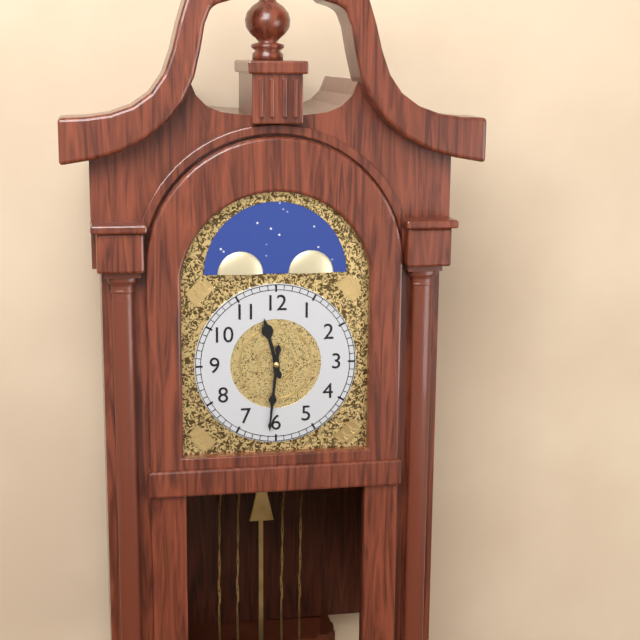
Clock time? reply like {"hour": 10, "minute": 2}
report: {"hour": 11, "minute": 31}
